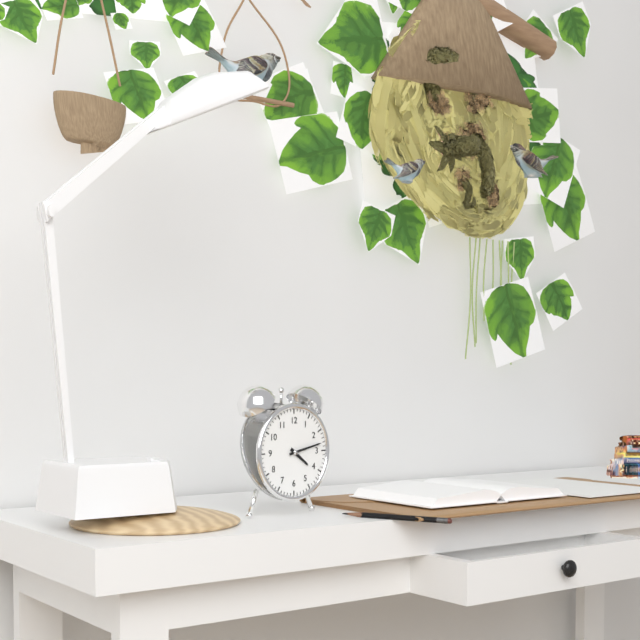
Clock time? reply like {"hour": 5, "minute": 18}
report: {"hour": 4, "minute": 13}
